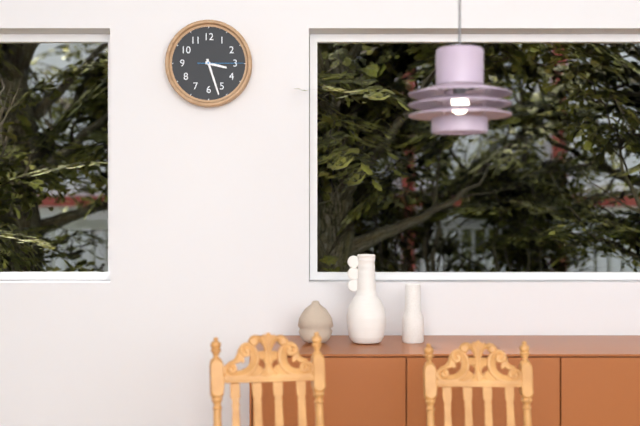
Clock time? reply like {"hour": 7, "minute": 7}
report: {"hour": 3, "minute": 27}
